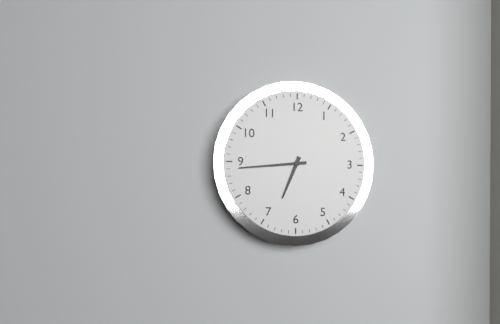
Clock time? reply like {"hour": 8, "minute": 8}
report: {"hour": 6, "minute": 44}
